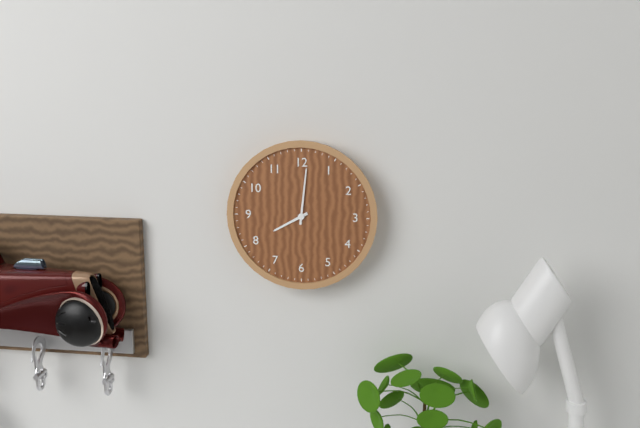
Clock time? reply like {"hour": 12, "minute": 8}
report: {"hour": 8, "minute": 1}
